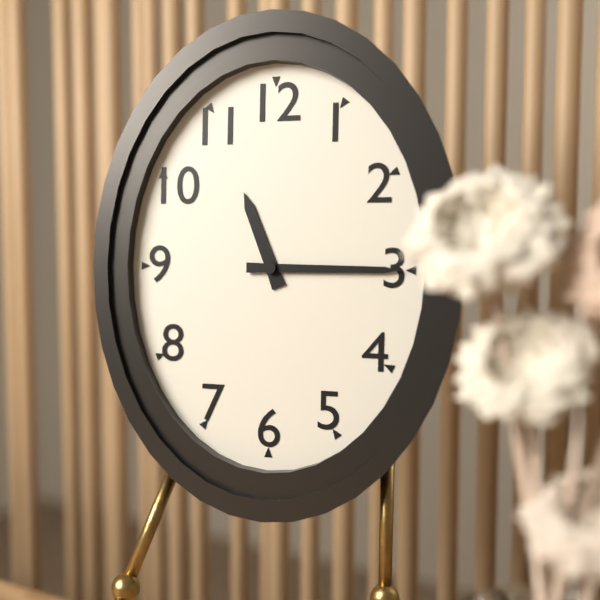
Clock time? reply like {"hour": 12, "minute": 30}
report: {"hour": 11, "minute": 15}
